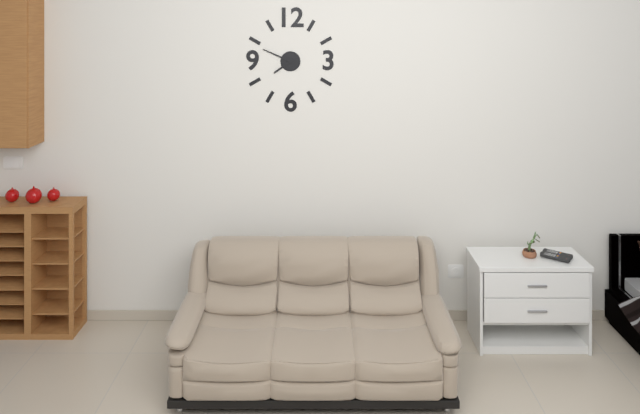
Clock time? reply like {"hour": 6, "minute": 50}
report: {"hour": 7, "minute": 49}
